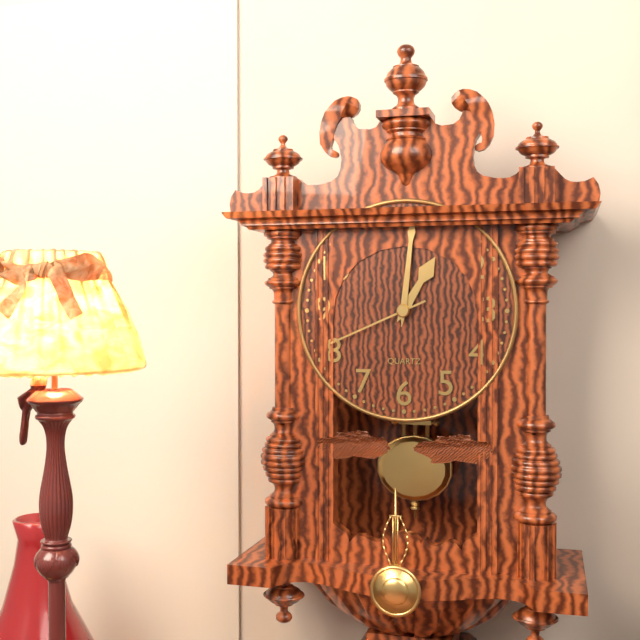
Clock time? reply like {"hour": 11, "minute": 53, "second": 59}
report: {"hour": 1, "minute": 1, "second": 41}
